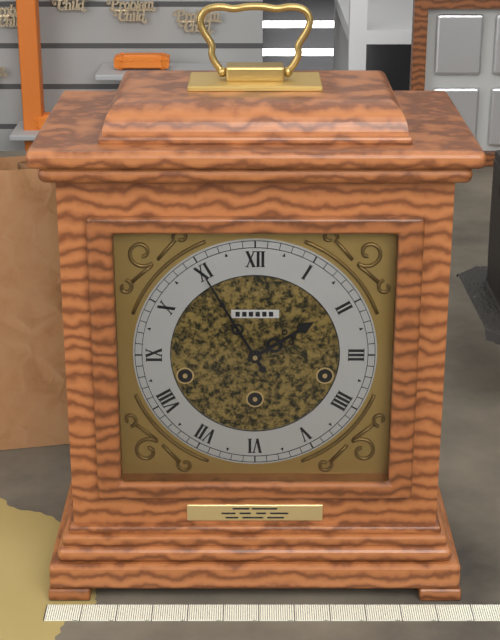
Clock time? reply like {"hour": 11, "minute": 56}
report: {"hour": 1, "minute": 55}
